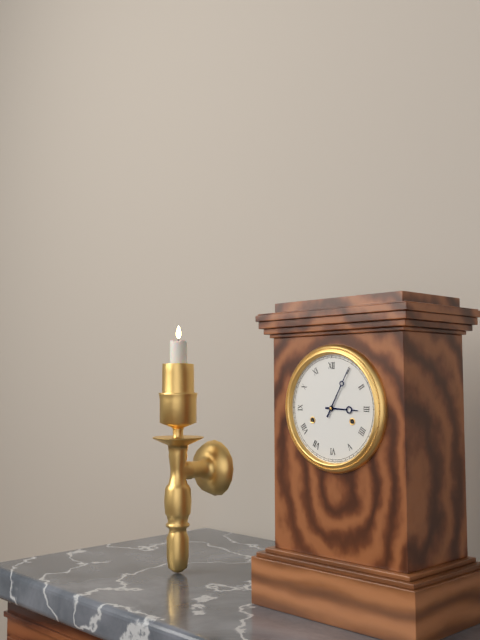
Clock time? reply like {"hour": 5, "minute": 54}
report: {"hour": 3, "minute": 5}
